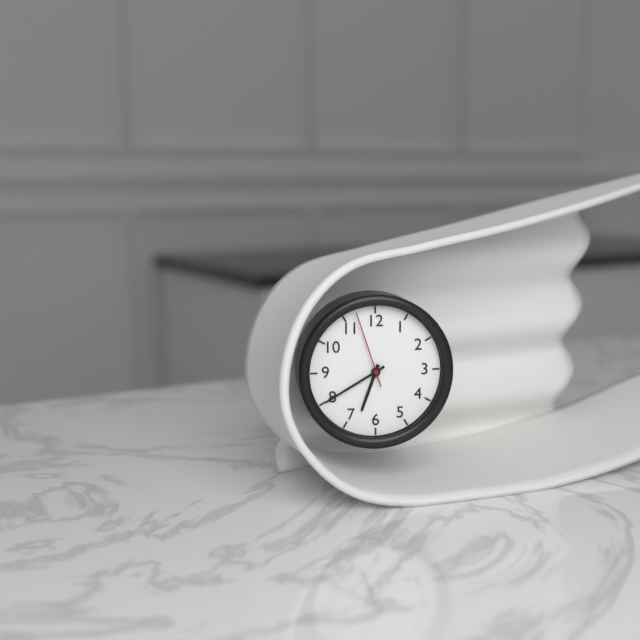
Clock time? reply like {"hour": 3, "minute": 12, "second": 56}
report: {"hour": 6, "minute": 40, "second": 57}
